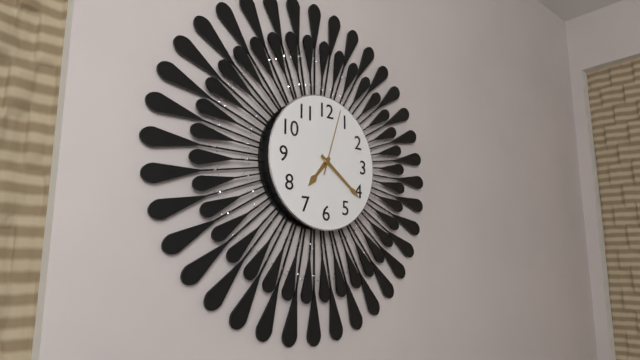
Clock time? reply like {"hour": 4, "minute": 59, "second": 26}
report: {"hour": 7, "minute": 21, "second": 3}
